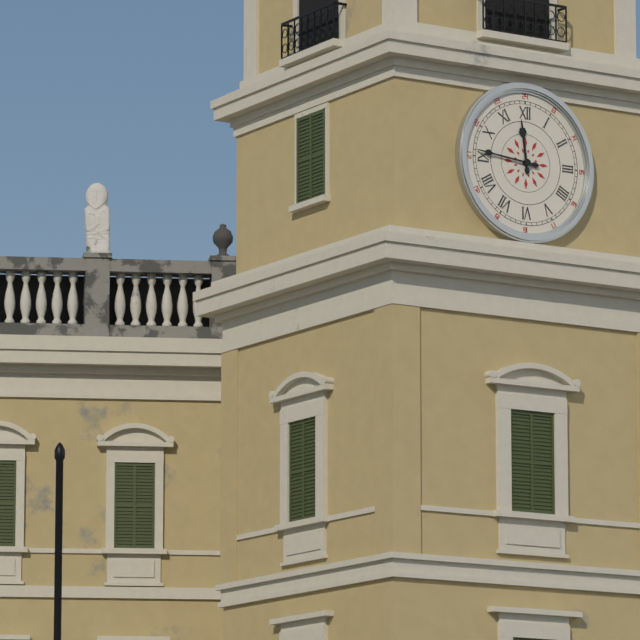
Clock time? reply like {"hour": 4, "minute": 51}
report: {"hour": 11, "minute": 46}
